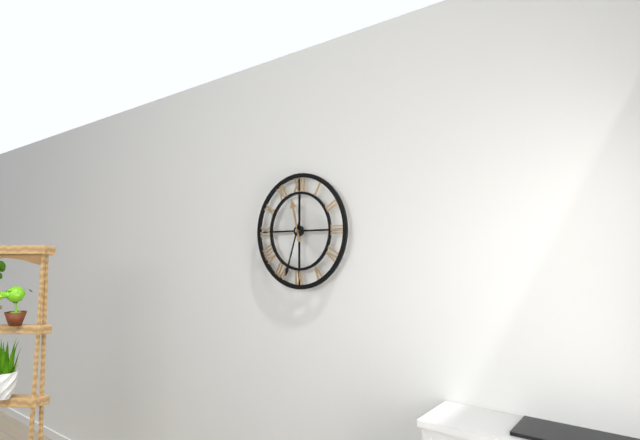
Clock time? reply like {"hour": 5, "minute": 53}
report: {"hour": 11, "minute": 33}
